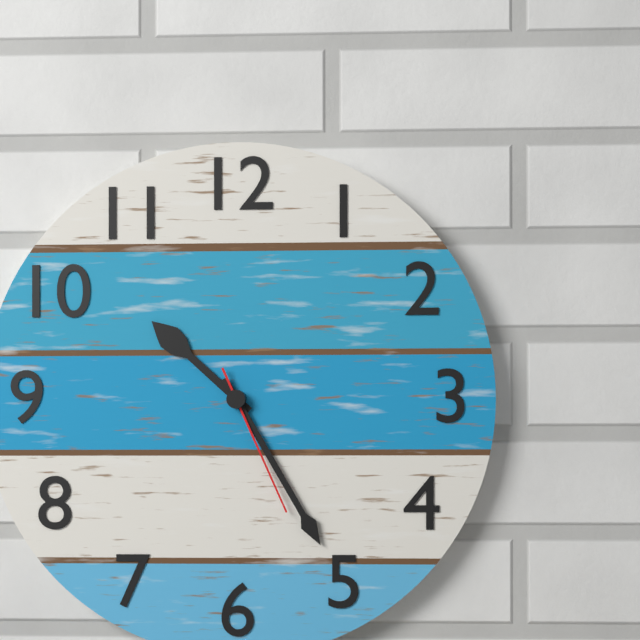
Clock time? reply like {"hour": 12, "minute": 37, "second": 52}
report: {"hour": 10, "minute": 25, "second": 26}
